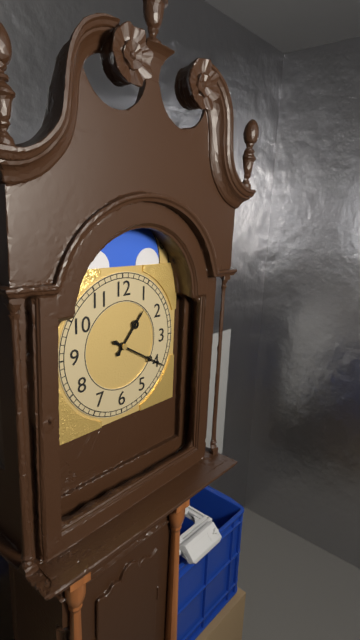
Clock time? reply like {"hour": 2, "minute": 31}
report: {"hour": 1, "minute": 20}
